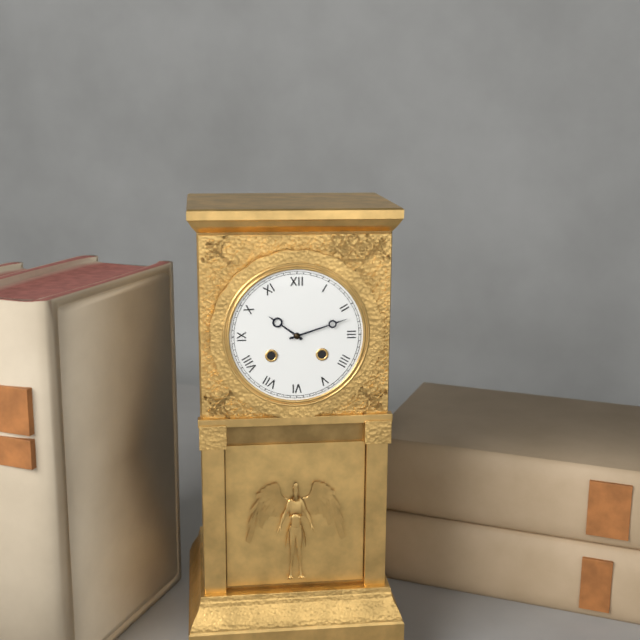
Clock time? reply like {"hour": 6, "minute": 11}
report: {"hour": 10, "minute": 12}
